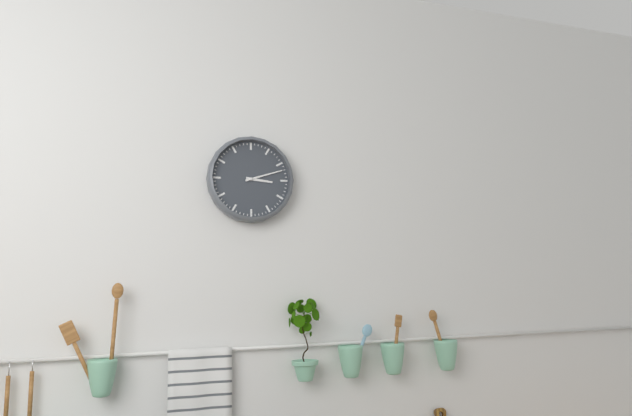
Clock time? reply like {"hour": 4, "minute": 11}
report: {"hour": 3, "minute": 12}
